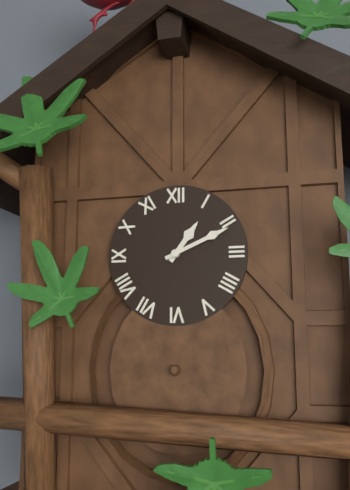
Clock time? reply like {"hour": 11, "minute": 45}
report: {"hour": 1, "minute": 11}
